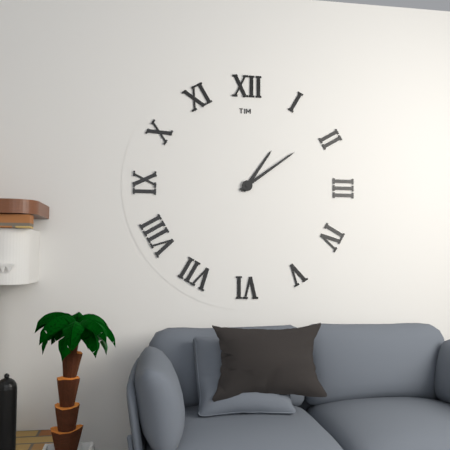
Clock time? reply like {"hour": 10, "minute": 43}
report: {"hour": 1, "minute": 9}
